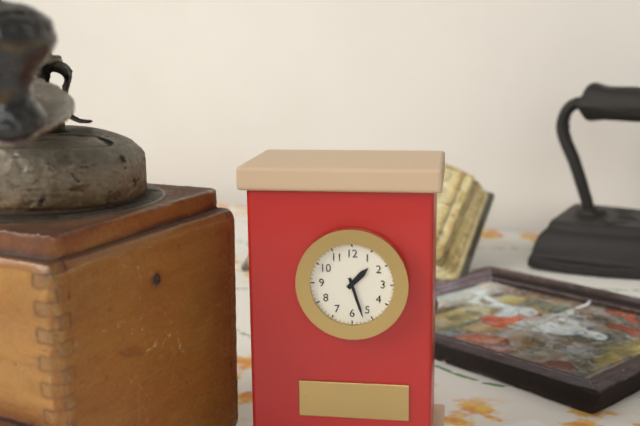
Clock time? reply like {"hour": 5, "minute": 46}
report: {"hour": 1, "minute": 27}
